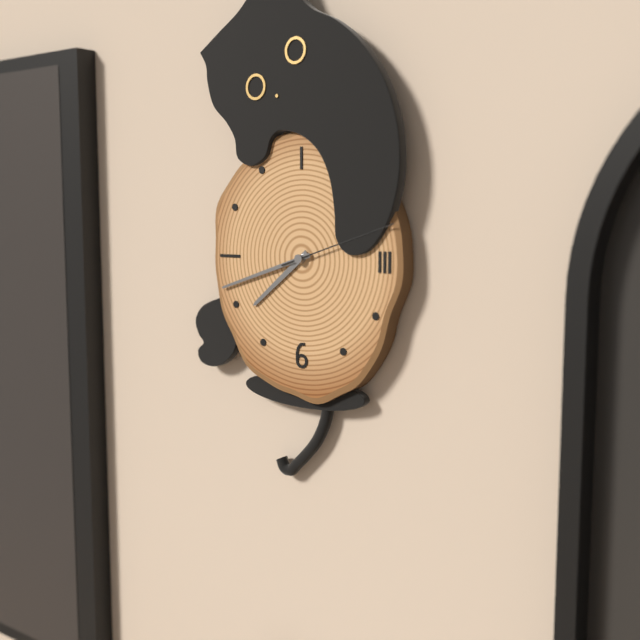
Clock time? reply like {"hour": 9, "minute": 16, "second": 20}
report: {"hour": 7, "minute": 42, "second": 12}
